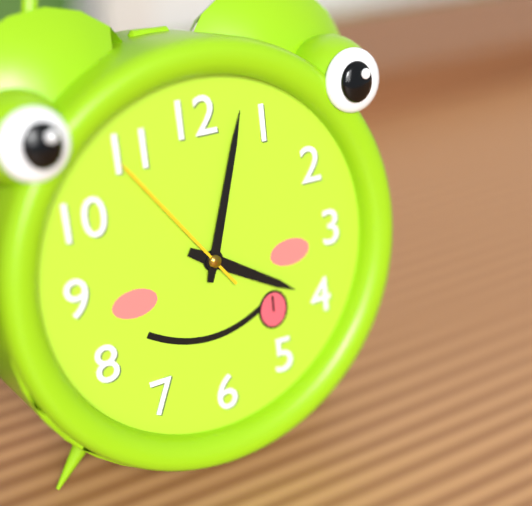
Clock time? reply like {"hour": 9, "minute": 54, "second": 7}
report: {"hour": 4, "minute": 3, "second": 54}
